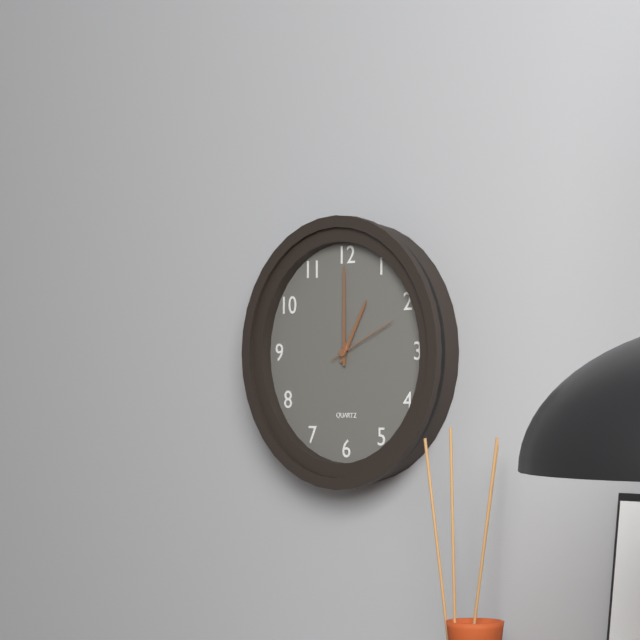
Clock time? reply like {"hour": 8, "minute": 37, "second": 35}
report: {"hour": 1, "minute": 0, "second": 11}
